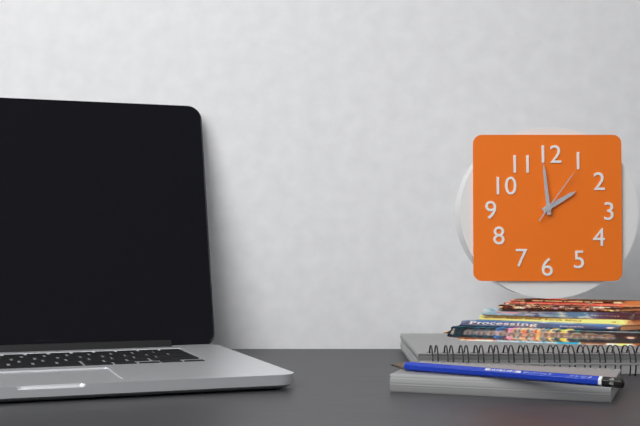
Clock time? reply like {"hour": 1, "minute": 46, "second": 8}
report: {"hour": 1, "minute": 59, "second": 6}
